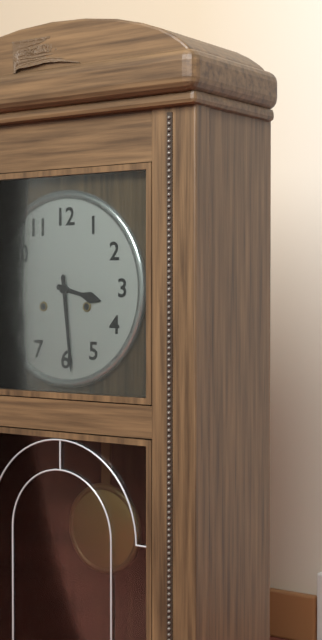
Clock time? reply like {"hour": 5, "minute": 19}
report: {"hour": 3, "minute": 29}
